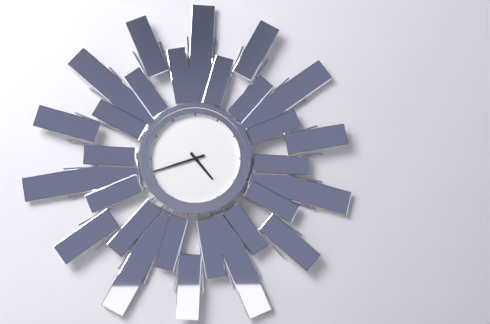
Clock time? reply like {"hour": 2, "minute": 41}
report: {"hour": 4, "minute": 42}
